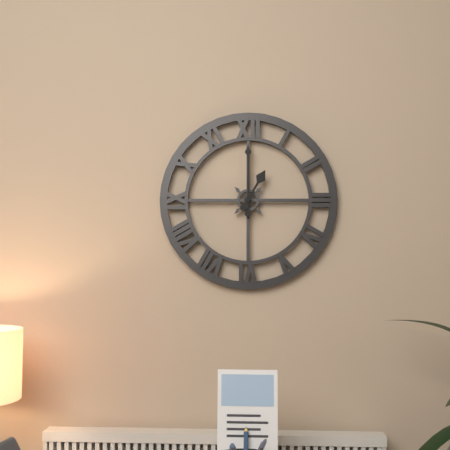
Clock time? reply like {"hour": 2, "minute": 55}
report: {"hour": 1, "minute": 0}
